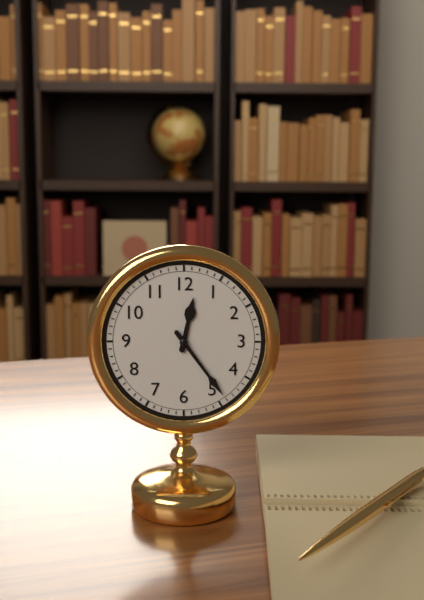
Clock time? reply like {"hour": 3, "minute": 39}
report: {"hour": 12, "minute": 24}
